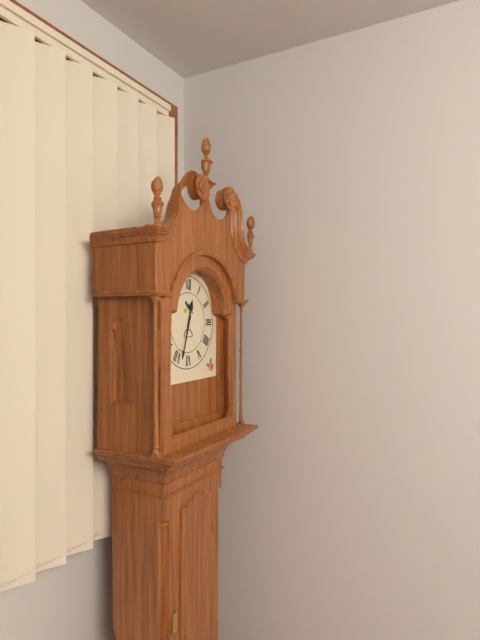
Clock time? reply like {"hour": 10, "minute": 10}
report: {"hour": 12, "minute": 33}
